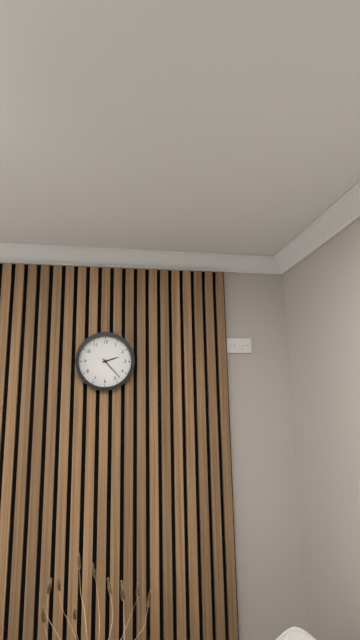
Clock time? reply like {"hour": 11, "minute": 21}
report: {"hour": 2, "minute": 23}
